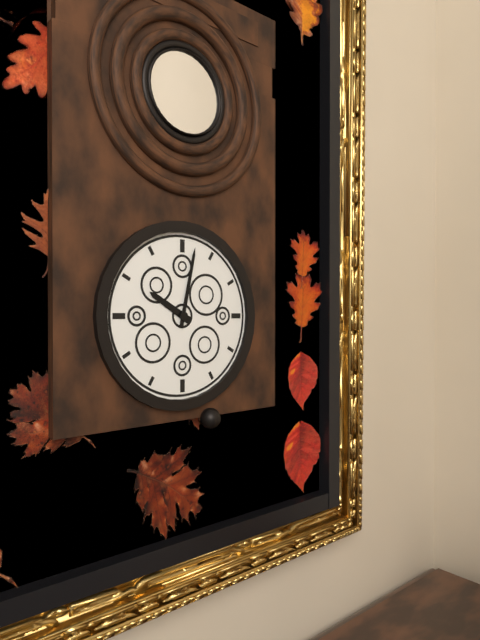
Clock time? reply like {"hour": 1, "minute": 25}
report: {"hour": 10, "minute": 2}
